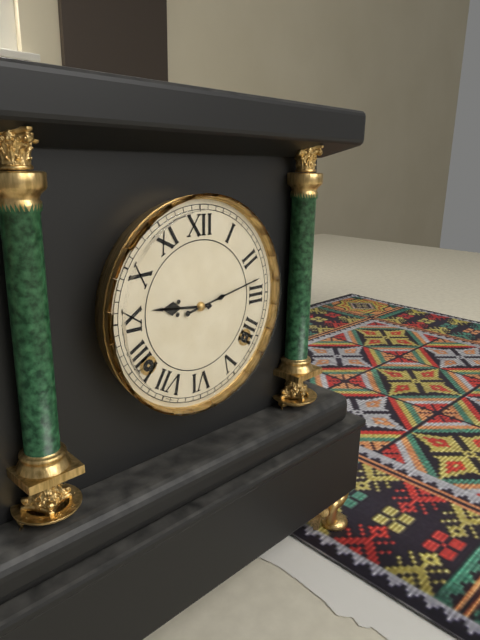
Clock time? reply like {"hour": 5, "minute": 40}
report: {"hour": 9, "minute": 13}
